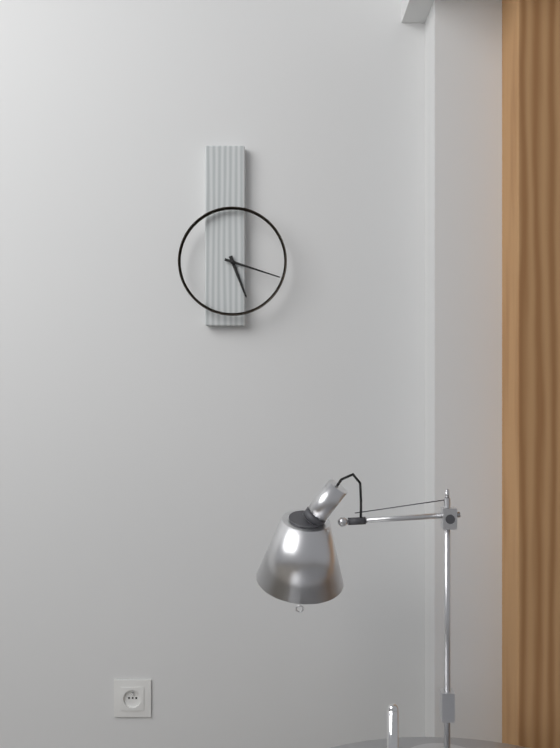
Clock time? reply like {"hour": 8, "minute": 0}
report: {"hour": 5, "minute": 18}
